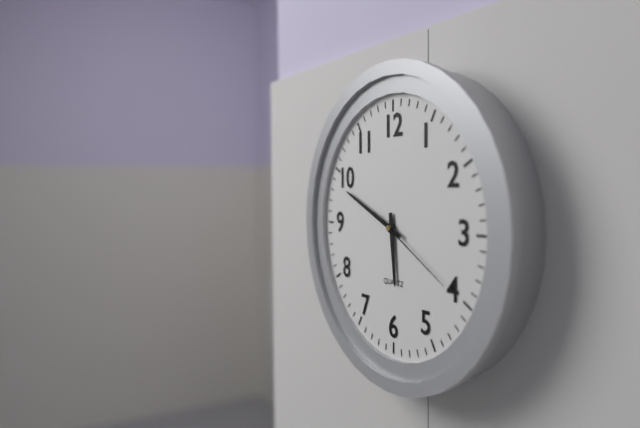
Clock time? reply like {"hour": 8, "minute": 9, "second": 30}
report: {"hour": 5, "minute": 49, "second": 20}
